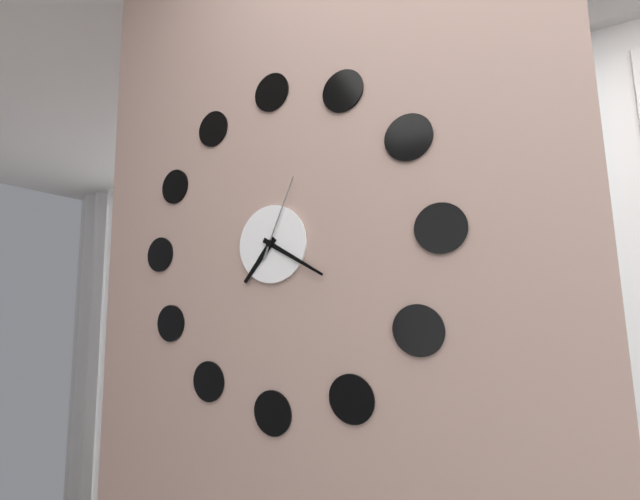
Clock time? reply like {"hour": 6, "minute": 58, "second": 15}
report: {"hour": 7, "minute": 20, "second": 4}
